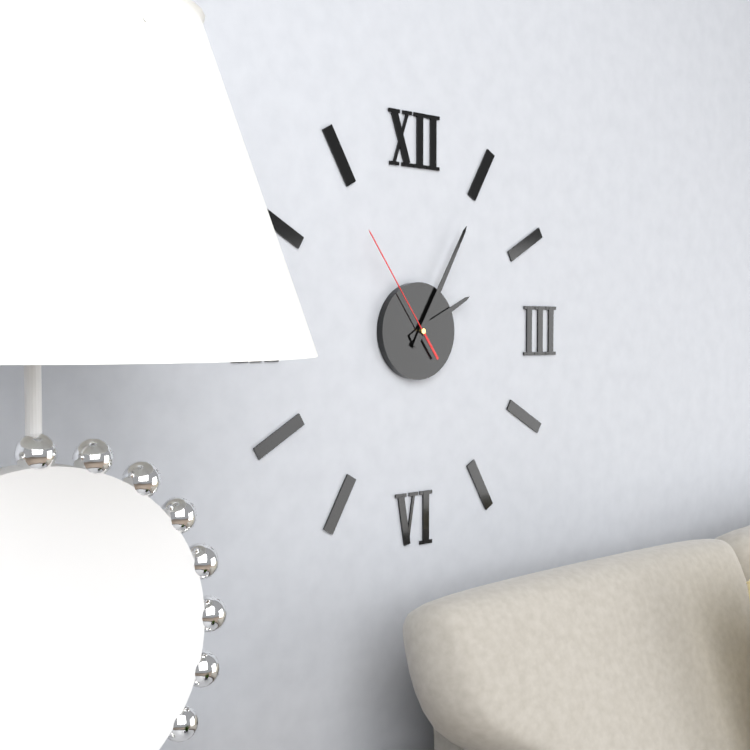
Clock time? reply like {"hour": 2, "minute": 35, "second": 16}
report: {"hour": 2, "minute": 5, "second": 54}
